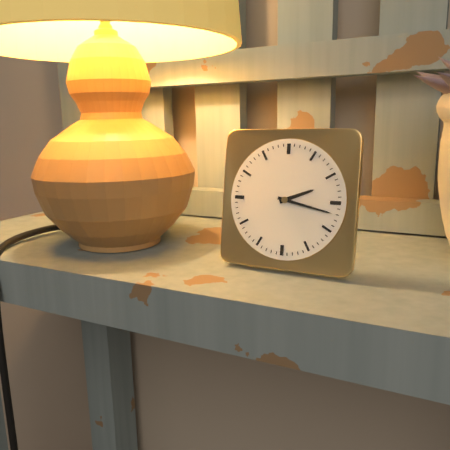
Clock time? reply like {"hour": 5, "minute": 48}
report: {"hour": 2, "minute": 17}
